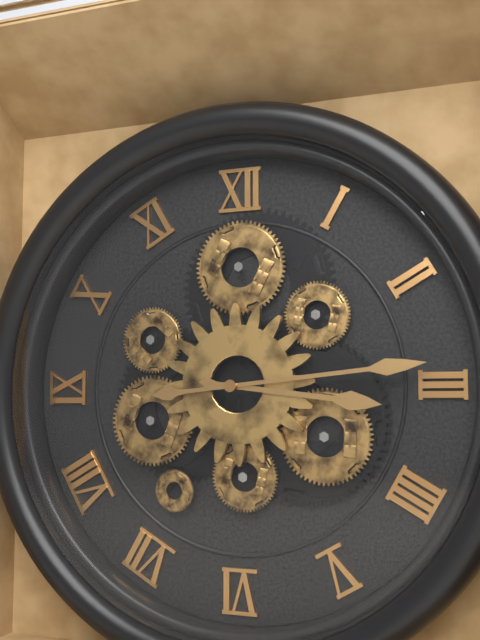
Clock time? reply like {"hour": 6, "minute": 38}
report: {"hour": 3, "minute": 14}
